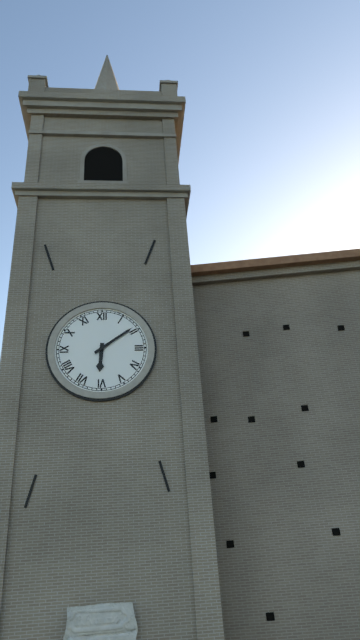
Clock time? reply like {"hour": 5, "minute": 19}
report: {"hour": 6, "minute": 9}
